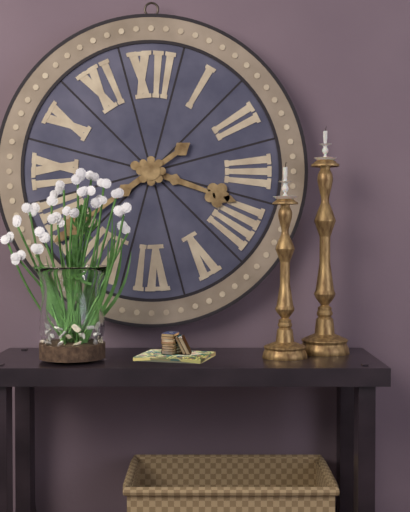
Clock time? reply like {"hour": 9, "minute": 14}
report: {"hour": 3, "minute": 39}
